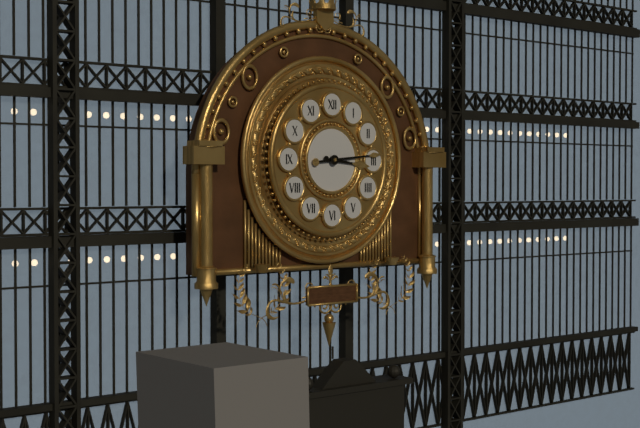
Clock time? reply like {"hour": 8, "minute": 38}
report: {"hour": 3, "minute": 14}
